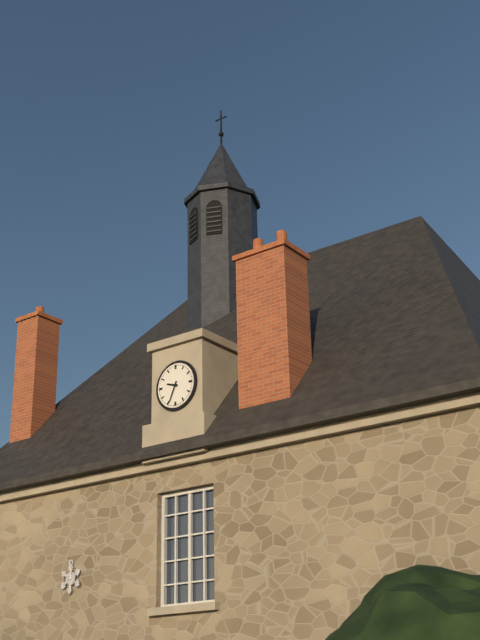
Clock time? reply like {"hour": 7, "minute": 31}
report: {"hour": 9, "minute": 34}
